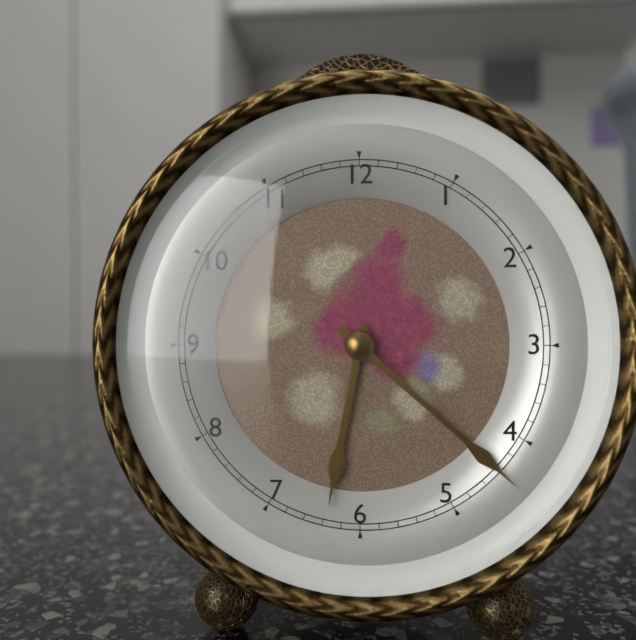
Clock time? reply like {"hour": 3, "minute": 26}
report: {"hour": 6, "minute": 22}
